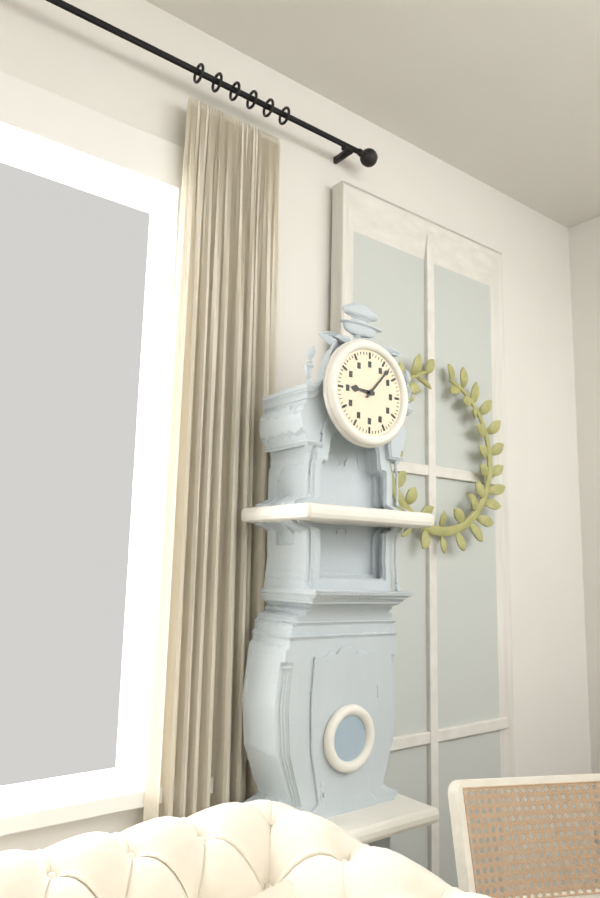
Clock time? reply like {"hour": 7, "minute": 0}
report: {"hour": 9, "minute": 7}
